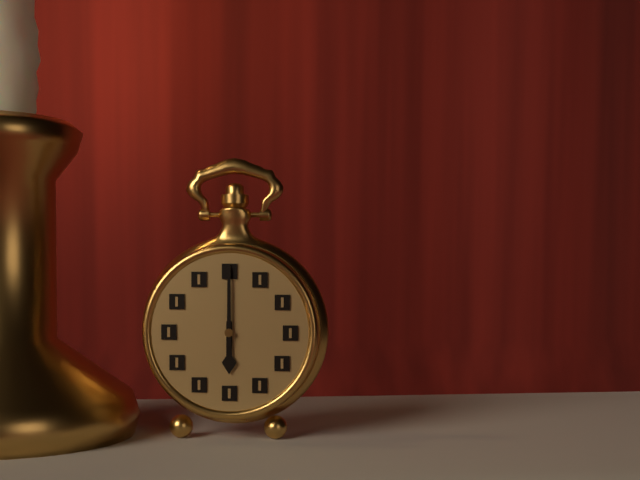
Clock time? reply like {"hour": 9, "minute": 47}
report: {"hour": 6, "minute": 0}
